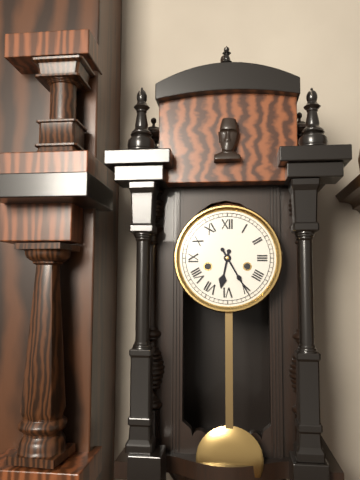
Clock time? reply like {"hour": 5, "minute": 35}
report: {"hour": 6, "minute": 25}
